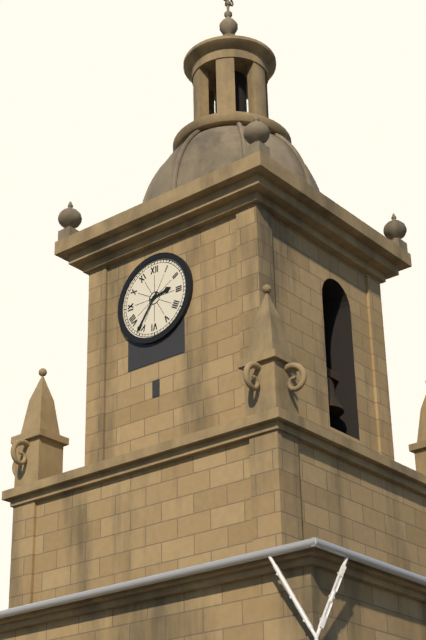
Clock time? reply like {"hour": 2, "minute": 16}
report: {"hour": 2, "minute": 36}
